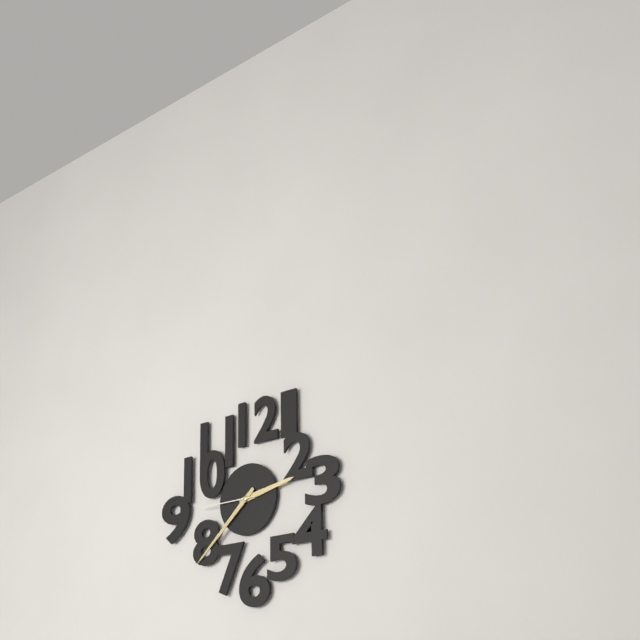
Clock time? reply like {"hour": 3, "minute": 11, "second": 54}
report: {"hour": 2, "minute": 38, "second": 45}
